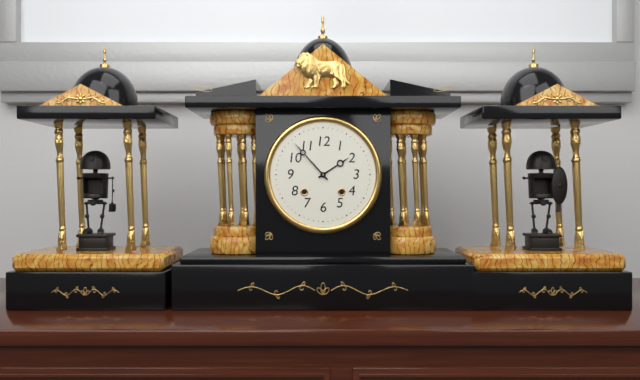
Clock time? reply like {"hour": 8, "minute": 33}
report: {"hour": 1, "minute": 53}
